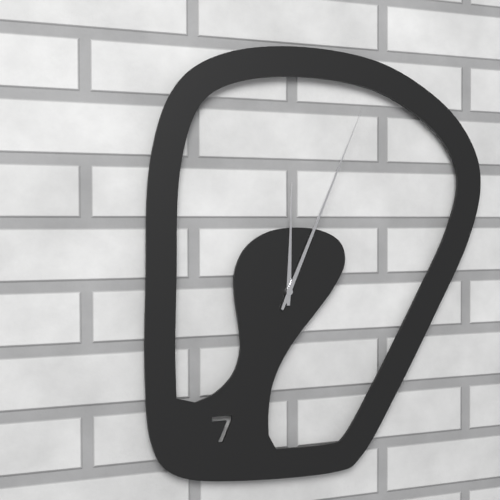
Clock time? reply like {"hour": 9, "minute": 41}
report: {"hour": 12, "minute": 4}
